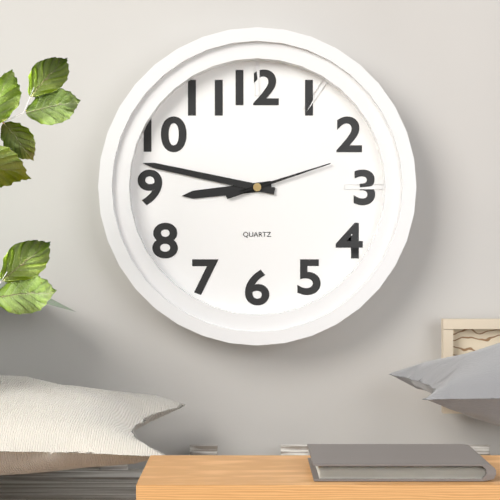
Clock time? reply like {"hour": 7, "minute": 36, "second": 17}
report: {"hour": 8, "minute": 47, "second": 12}
